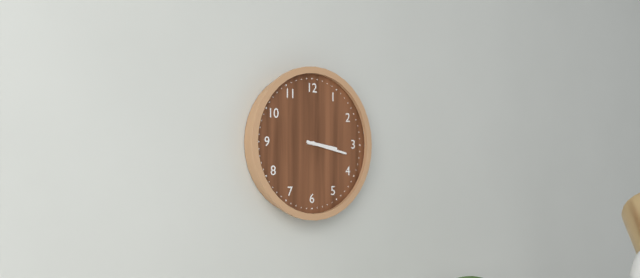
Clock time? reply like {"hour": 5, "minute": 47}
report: {"hour": 3, "minute": 17}
